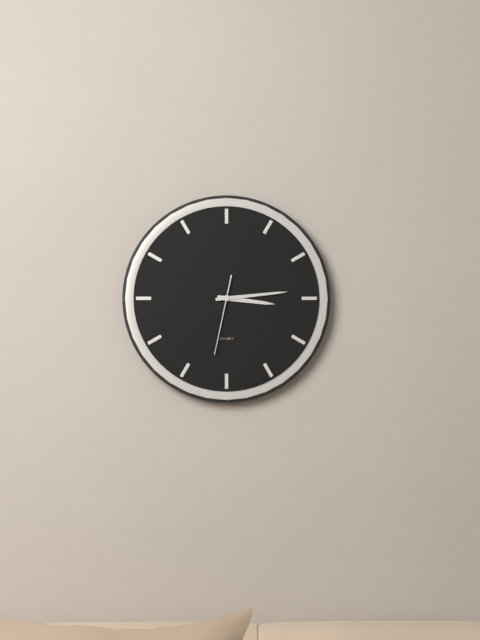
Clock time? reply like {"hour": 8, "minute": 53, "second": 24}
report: {"hour": 3, "minute": 14, "second": 32}
